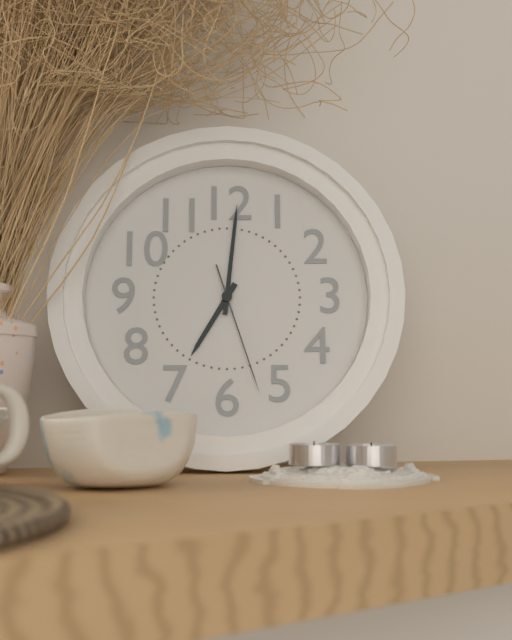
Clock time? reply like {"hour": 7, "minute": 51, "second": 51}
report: {"hour": 7, "minute": 1, "second": 27}
